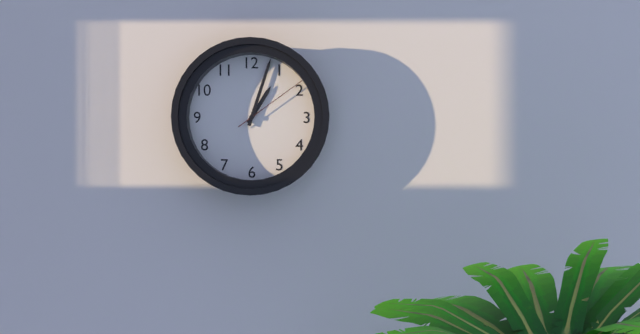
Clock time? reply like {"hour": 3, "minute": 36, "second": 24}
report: {"hour": 1, "minute": 3, "second": 9}
